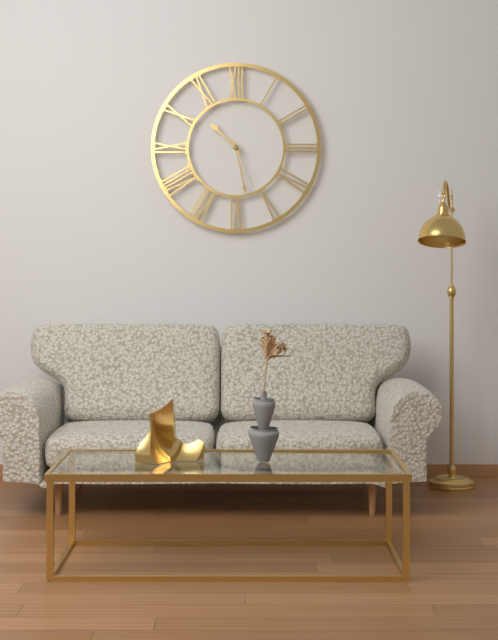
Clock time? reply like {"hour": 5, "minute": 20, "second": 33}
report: {"hour": 10, "minute": 28, "second": 26}
